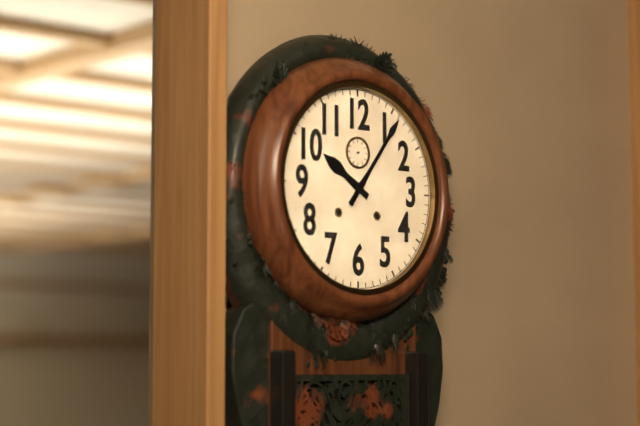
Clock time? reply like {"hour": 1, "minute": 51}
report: {"hour": 10, "minute": 6}
